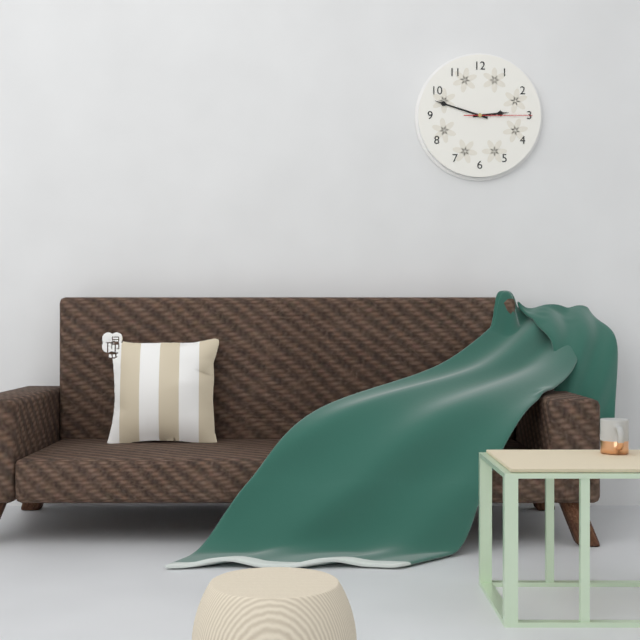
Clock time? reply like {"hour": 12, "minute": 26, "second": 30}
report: {"hour": 2, "minute": 48, "second": 15}
